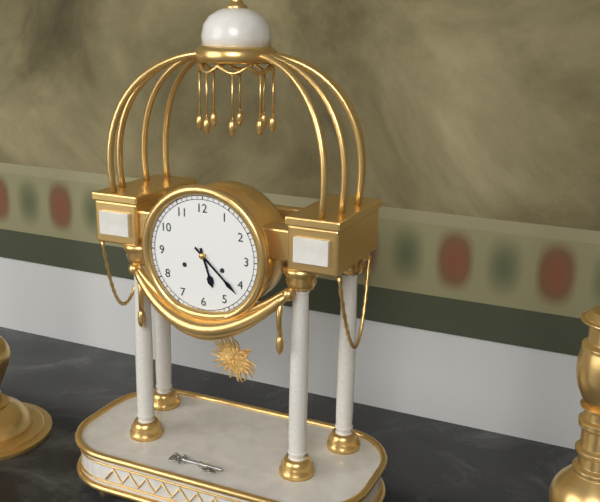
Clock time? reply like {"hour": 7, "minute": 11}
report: {"hour": 5, "minute": 22}
